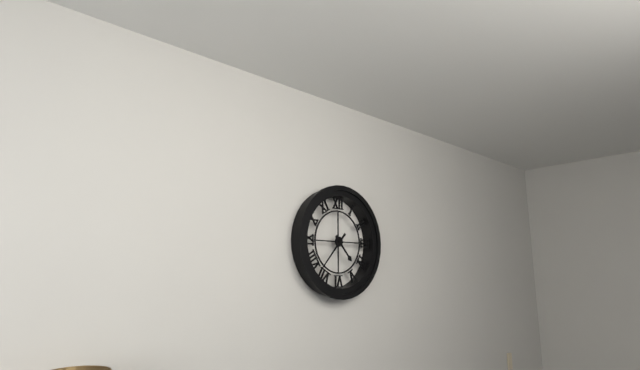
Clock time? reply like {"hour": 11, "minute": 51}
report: {"hour": 4, "minute": 37}
